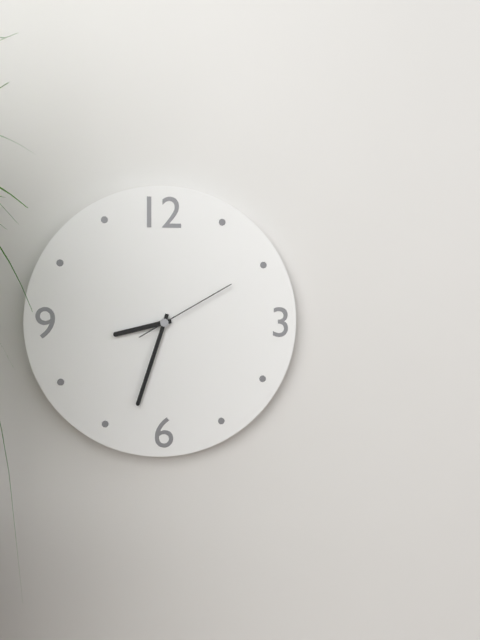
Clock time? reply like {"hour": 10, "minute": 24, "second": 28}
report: {"hour": 8, "minute": 33, "second": 10}
